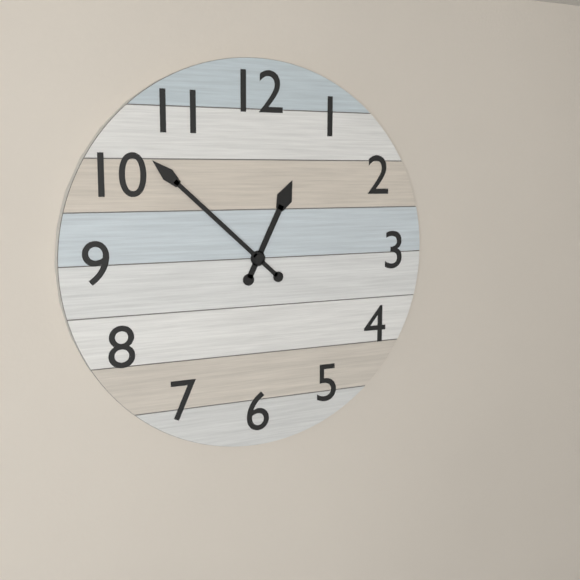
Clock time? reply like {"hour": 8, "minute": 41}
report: {"hour": 12, "minute": 52}
